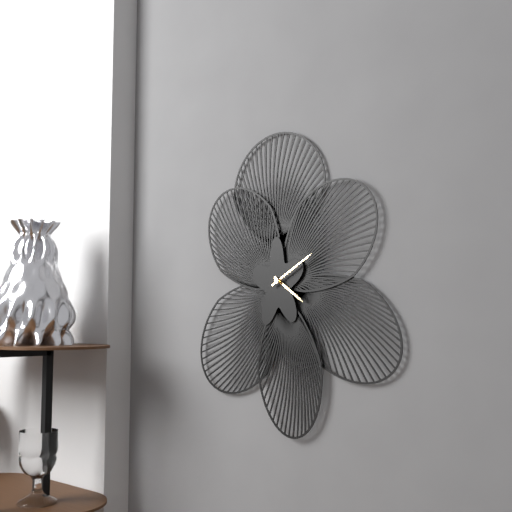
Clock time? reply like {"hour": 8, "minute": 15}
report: {"hour": 4, "minute": 10}
